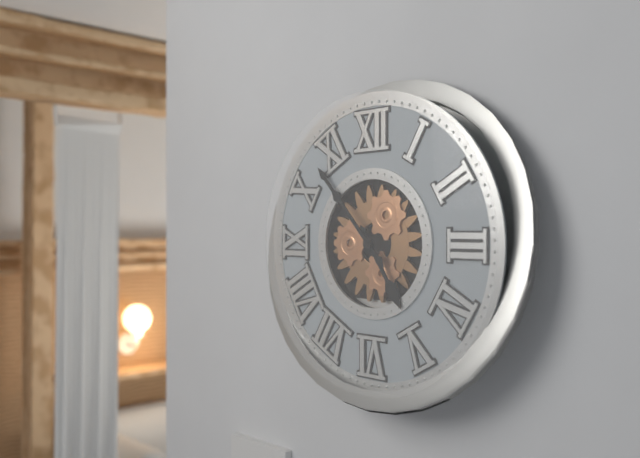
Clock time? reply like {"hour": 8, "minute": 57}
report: {"hour": 4, "minute": 53}
